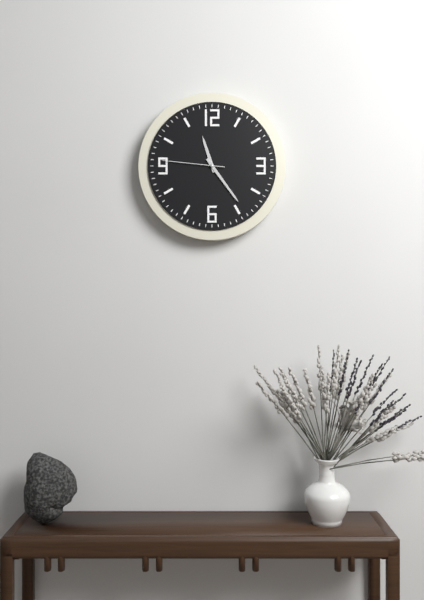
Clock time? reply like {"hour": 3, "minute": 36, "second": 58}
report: {"hour": 11, "minute": 24, "second": 46}
